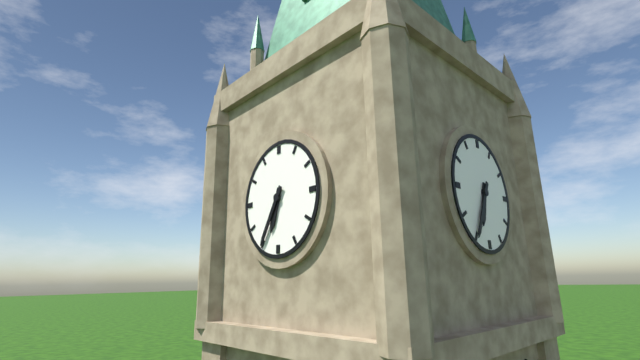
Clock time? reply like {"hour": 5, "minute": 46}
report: {"hour": 6, "minute": 35}
